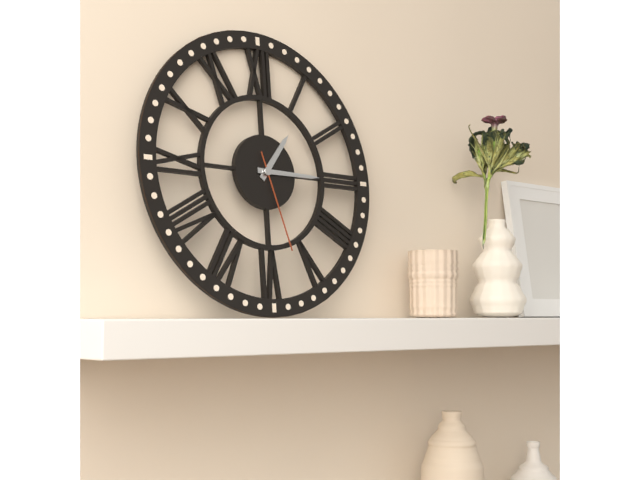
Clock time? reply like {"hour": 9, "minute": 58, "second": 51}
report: {"hour": 1, "minute": 15, "second": 27}
